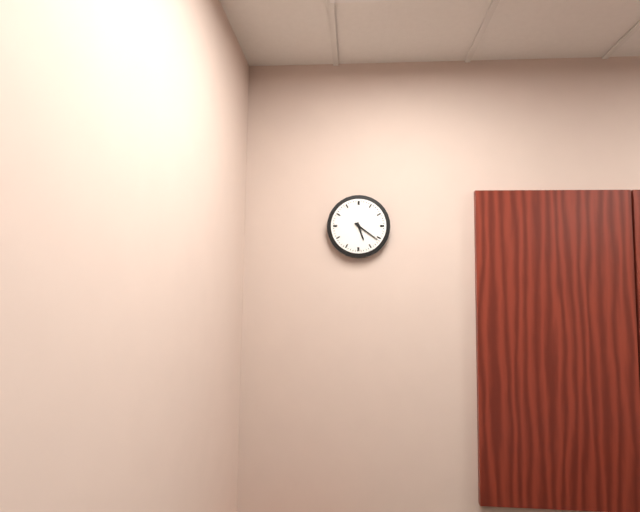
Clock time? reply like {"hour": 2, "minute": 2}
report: {"hour": 5, "minute": 21}
